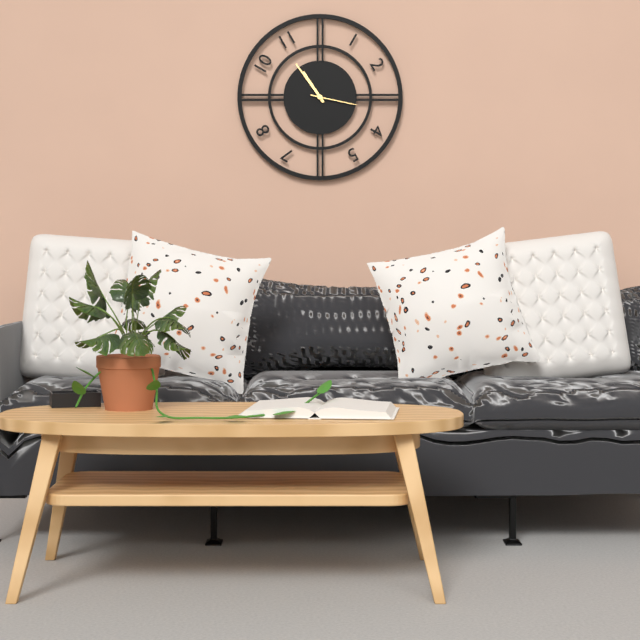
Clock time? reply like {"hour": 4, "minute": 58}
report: {"hour": 10, "minute": 54}
